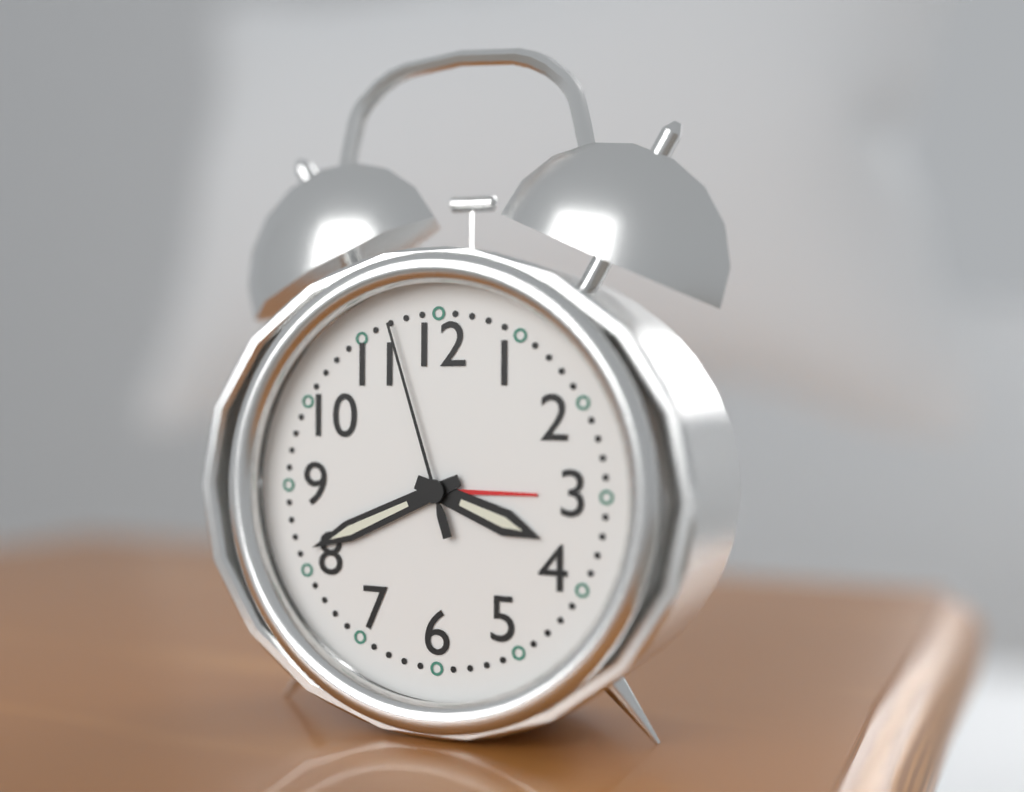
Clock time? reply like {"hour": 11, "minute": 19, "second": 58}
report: {"hour": 3, "minute": 41, "second": 57}
